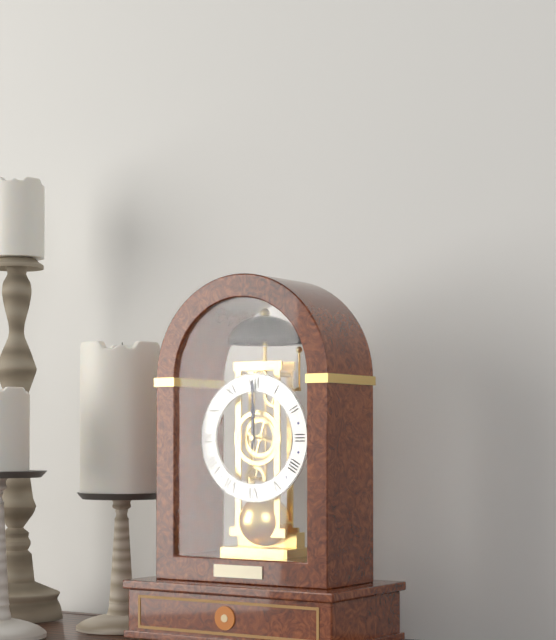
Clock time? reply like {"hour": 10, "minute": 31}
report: {"hour": 12, "minute": 0}
